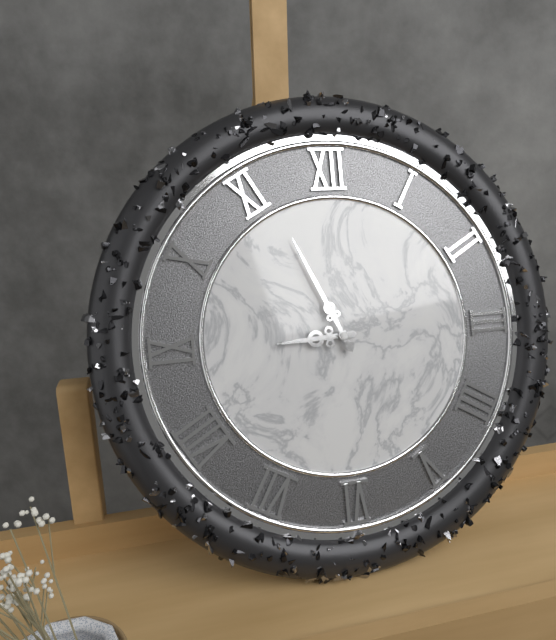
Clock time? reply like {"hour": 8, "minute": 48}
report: {"hour": 8, "minute": 56}
